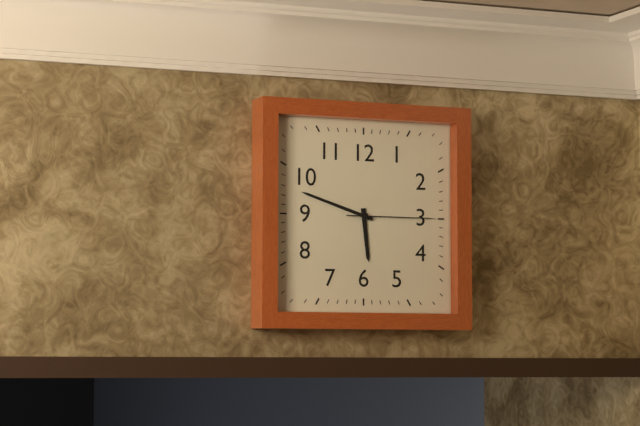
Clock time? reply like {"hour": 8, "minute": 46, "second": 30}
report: {"hour": 5, "minute": 48, "second": 15}
